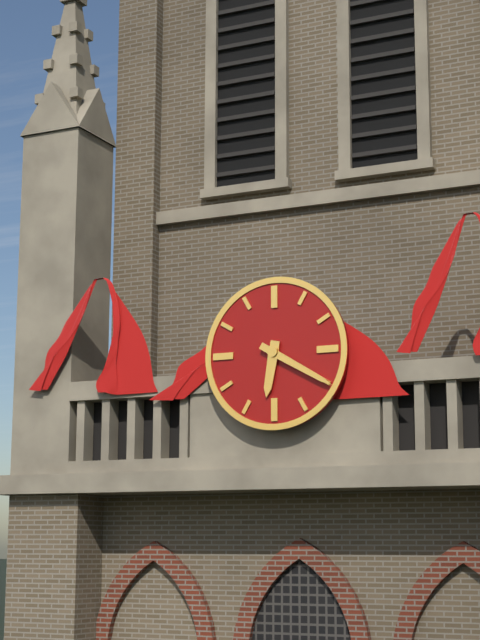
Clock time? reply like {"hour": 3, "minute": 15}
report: {"hour": 6, "minute": 20}
